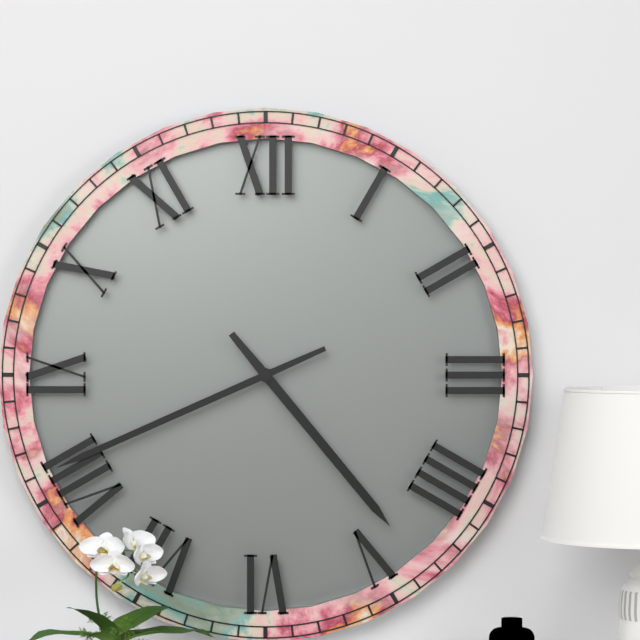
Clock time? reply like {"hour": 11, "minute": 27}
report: {"hour": 4, "minute": 41}
